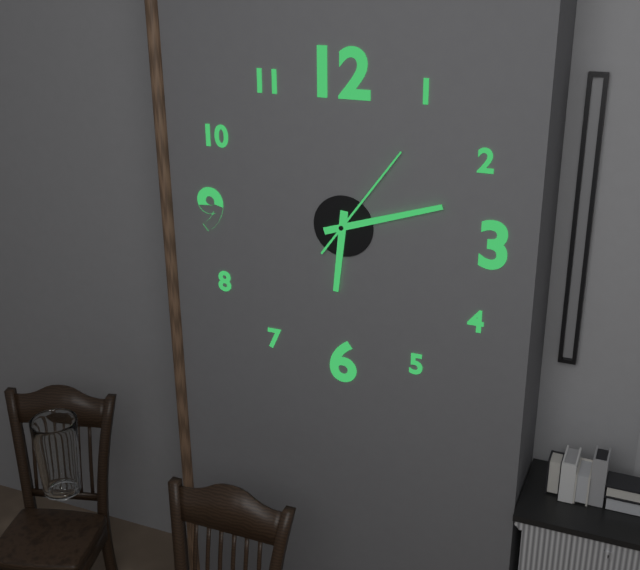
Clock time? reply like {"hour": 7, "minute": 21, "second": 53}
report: {"hour": 6, "minute": 12, "second": 6}
